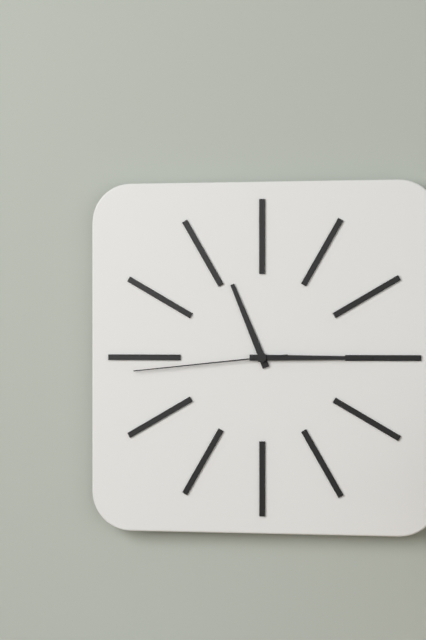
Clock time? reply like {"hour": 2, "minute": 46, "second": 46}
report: {"hour": 11, "minute": 15, "second": 44}
